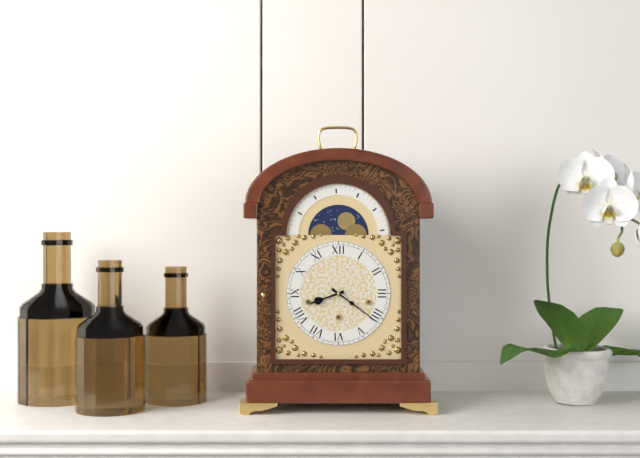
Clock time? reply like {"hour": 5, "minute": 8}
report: {"hour": 8, "minute": 21}
